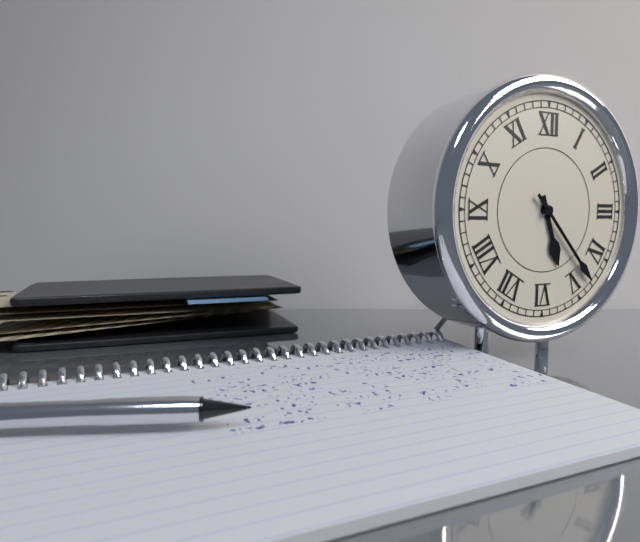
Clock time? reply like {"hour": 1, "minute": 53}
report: {"hour": 5, "minute": 23}
